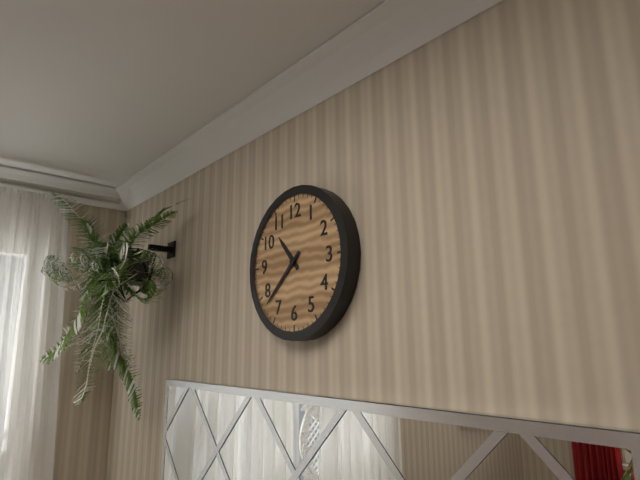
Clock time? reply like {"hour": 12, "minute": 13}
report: {"hour": 10, "minute": 38}
